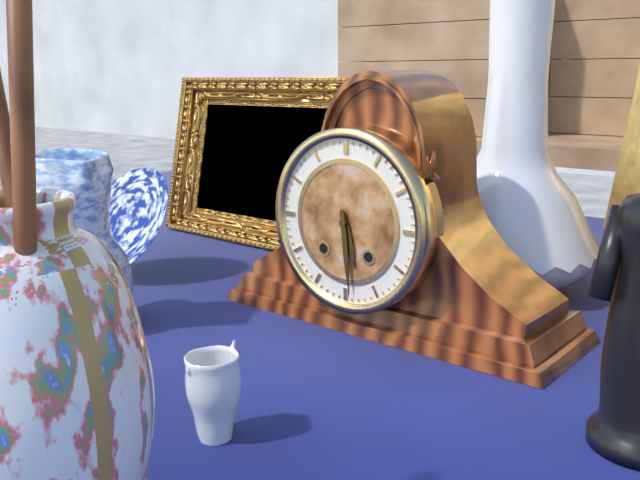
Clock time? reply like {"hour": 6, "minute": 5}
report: {"hour": 5, "minute": 29}
